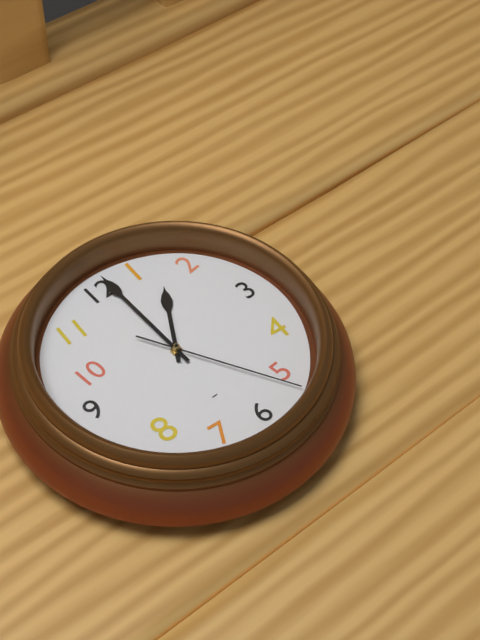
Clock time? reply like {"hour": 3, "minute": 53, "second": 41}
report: {"hour": 1, "minute": 0, "second": 25}
